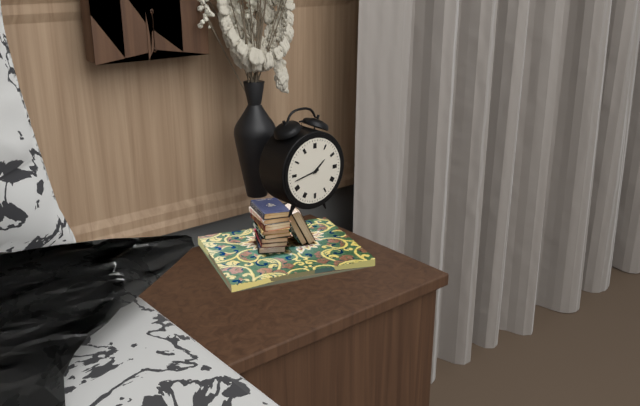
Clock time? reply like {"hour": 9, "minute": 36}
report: {"hour": 1, "minute": 43}
